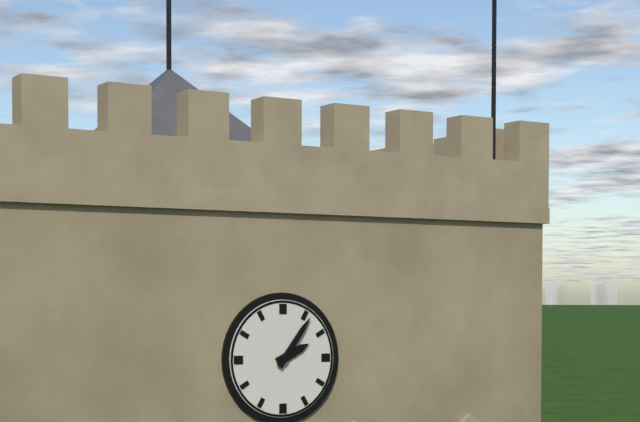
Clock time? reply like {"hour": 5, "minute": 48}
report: {"hour": 2, "minute": 6}
